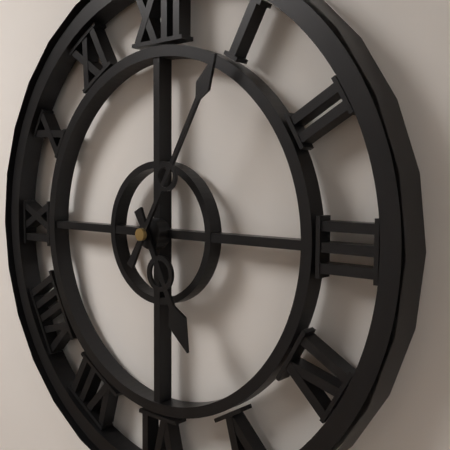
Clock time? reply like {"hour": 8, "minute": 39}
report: {"hour": 5, "minute": 5}
